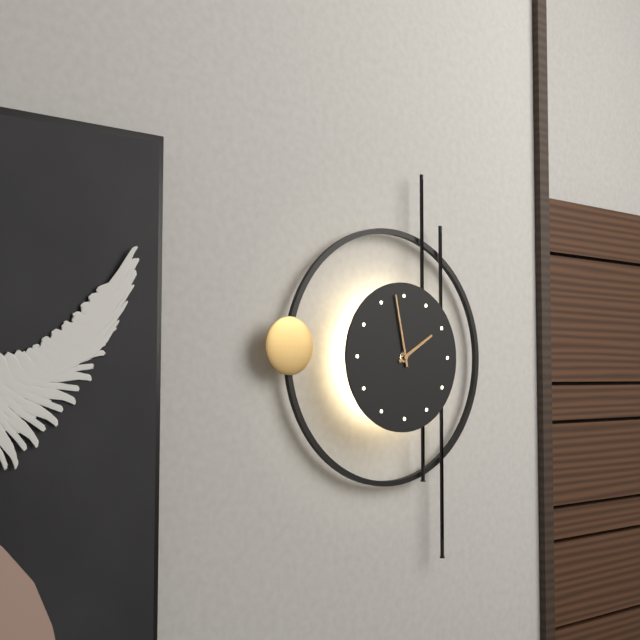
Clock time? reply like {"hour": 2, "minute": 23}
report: {"hour": 1, "minute": 58}
